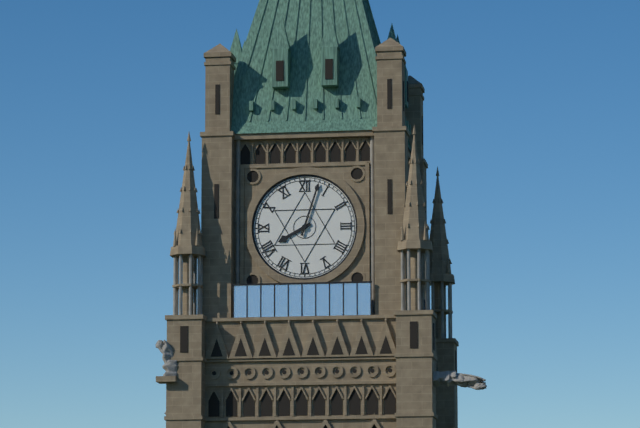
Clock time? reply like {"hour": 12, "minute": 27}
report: {"hour": 8, "minute": 3}
